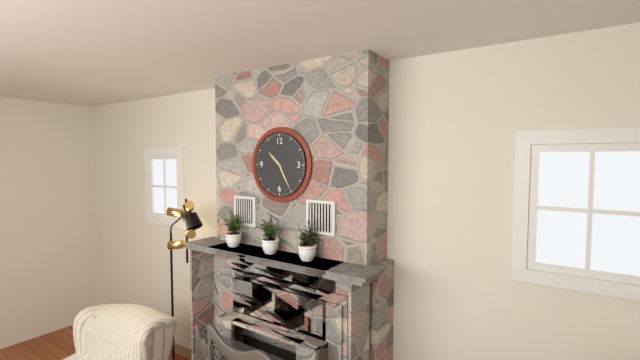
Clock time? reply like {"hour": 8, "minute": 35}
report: {"hour": 10, "minute": 25}
